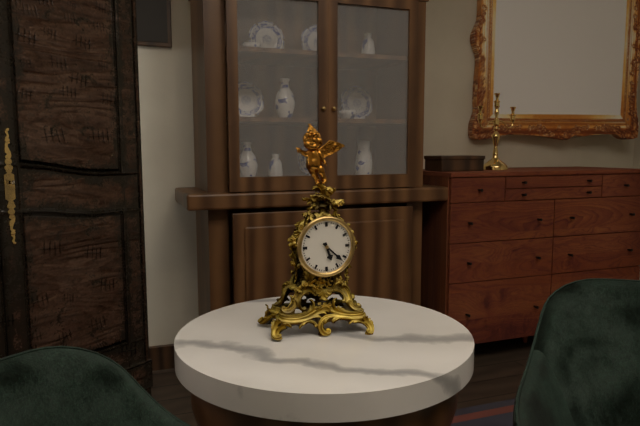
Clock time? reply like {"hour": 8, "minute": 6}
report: {"hour": 5, "minute": 22}
